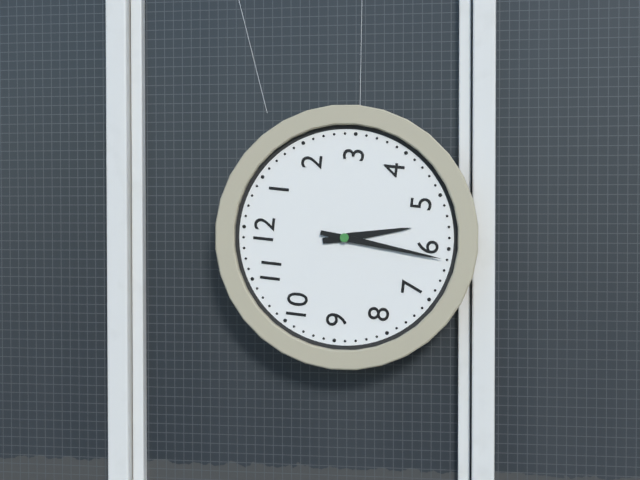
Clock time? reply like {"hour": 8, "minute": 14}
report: {"hour": 5, "minute": 31}
